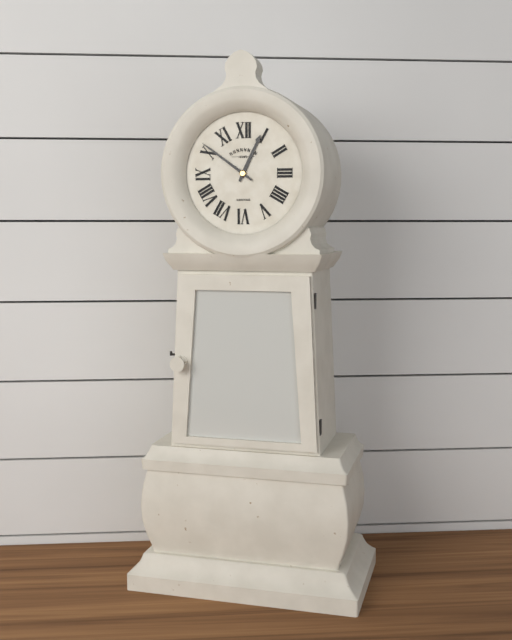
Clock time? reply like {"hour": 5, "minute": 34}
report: {"hour": 12, "minute": 51}
